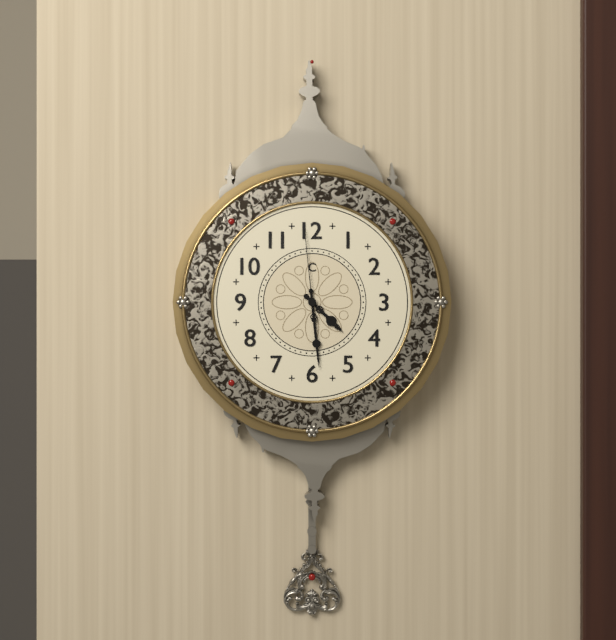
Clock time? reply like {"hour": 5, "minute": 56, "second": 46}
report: {"hour": 4, "minute": 29, "second": 59}
